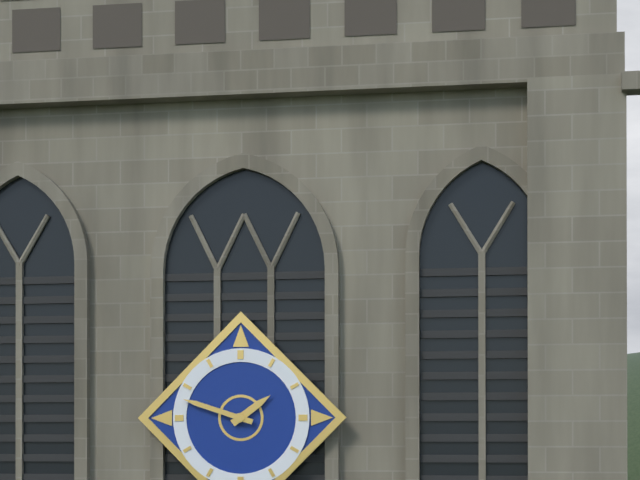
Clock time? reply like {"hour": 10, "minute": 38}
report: {"hour": 1, "minute": 48}
